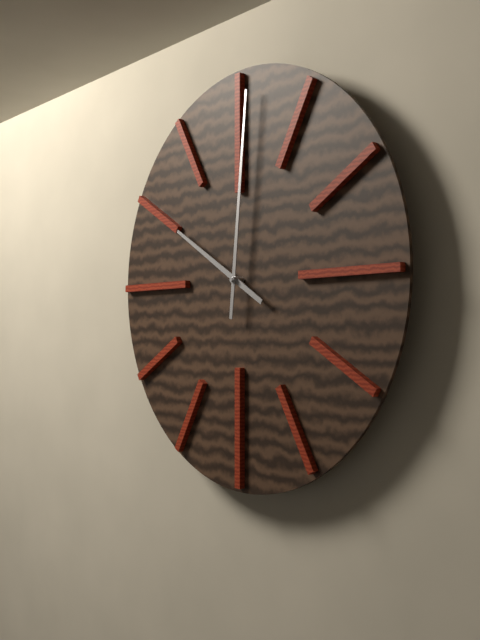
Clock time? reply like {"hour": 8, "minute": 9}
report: {"hour": 10, "minute": 1}
